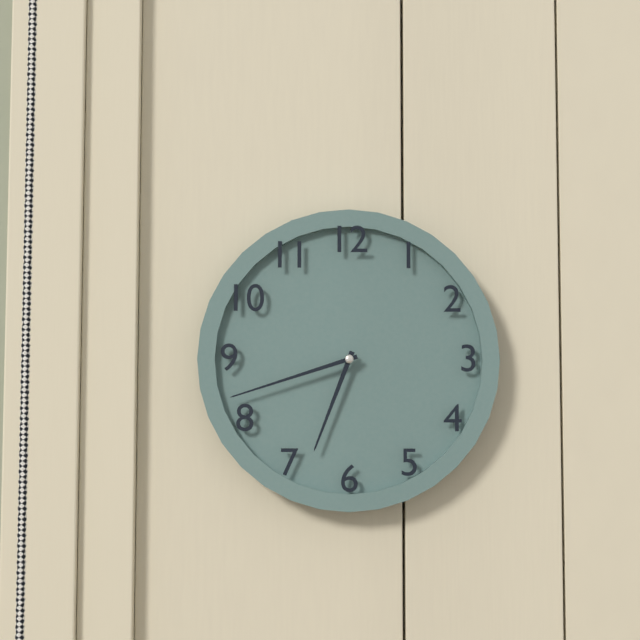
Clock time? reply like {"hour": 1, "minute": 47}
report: {"hour": 6, "minute": 42}
